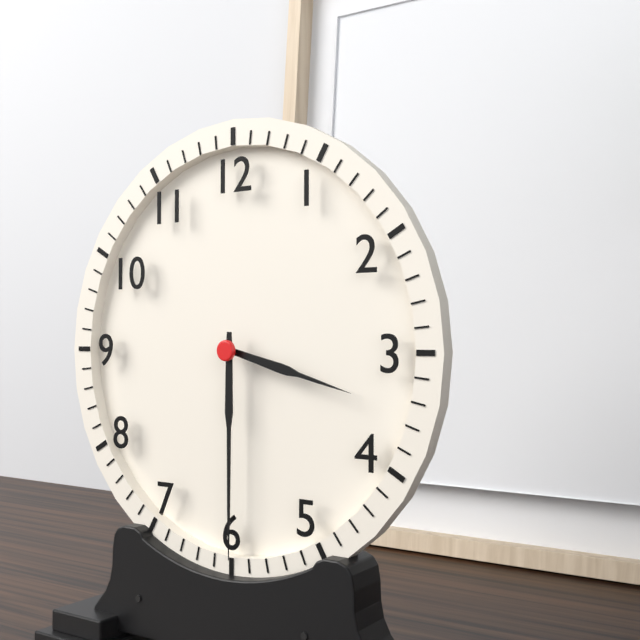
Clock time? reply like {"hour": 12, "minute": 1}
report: {"hour": 3, "minute": 30}
